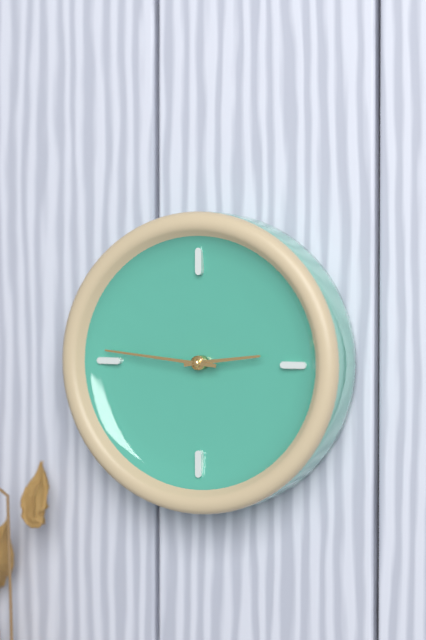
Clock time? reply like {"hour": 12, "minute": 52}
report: {"hour": 2, "minute": 46}
